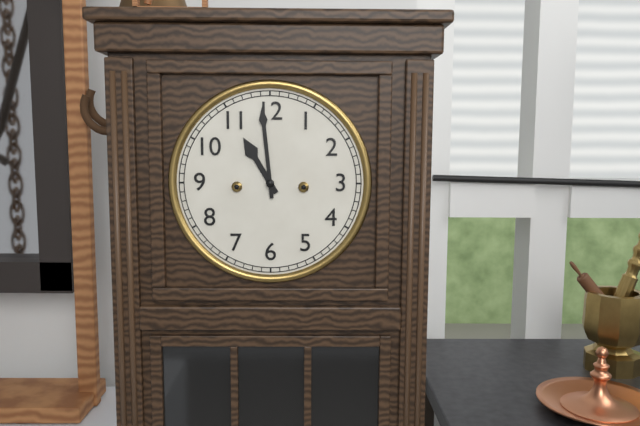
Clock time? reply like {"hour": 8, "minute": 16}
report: {"hour": 10, "minute": 59}
